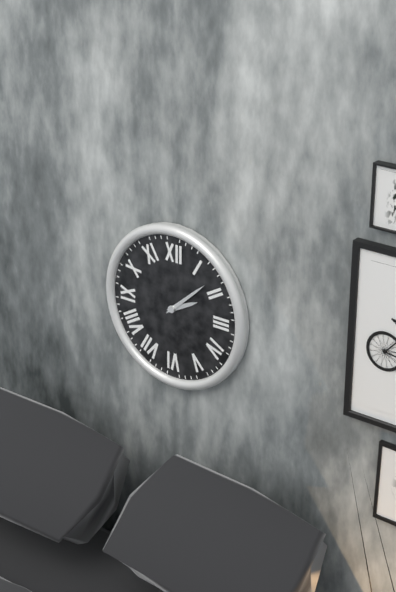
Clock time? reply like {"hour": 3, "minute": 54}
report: {"hour": 2, "minute": 8}
